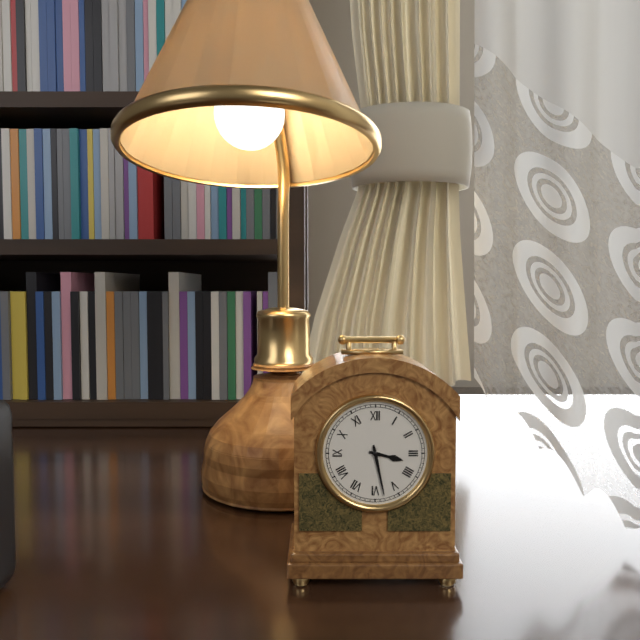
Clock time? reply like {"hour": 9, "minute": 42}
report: {"hour": 3, "minute": 28}
